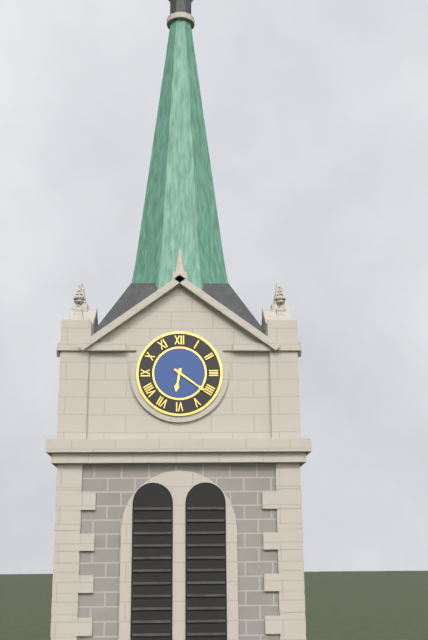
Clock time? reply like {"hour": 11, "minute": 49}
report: {"hour": 6, "minute": 21}
